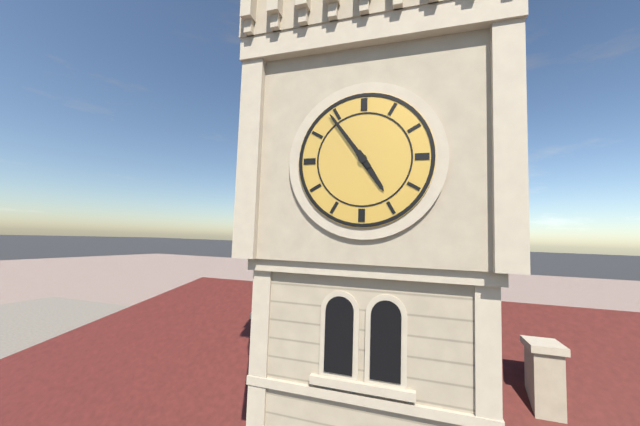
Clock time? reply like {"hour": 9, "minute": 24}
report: {"hour": 4, "minute": 54}
